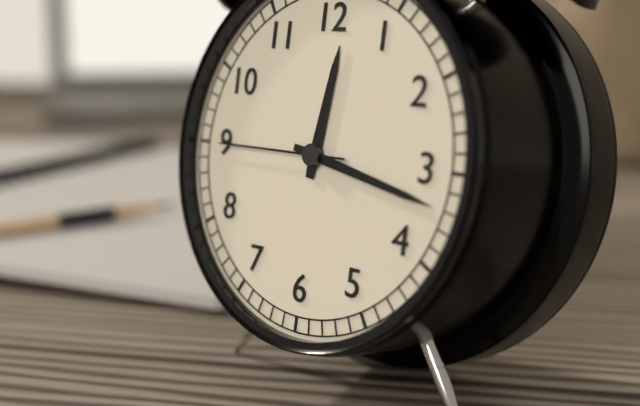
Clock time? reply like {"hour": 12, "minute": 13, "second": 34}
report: {"hour": 12, "minute": 17, "second": 45}
